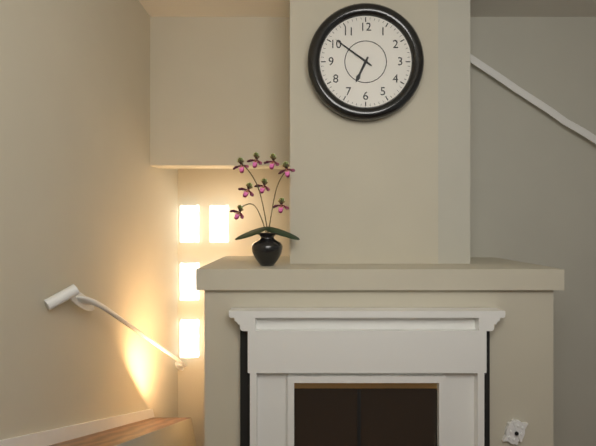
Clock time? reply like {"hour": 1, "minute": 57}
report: {"hour": 6, "minute": 51}
